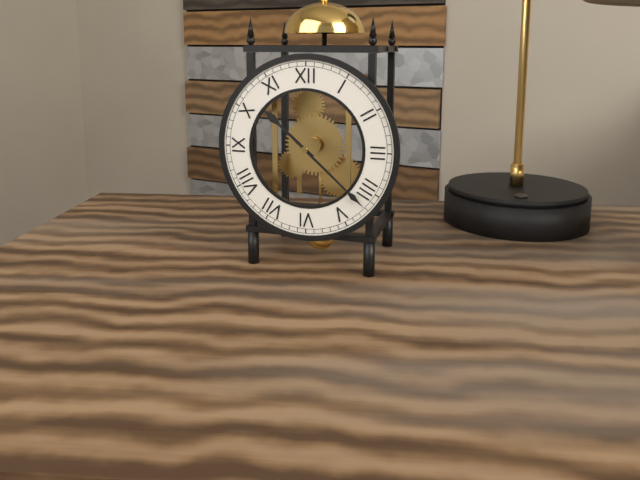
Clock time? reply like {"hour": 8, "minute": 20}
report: {"hour": 10, "minute": 22}
